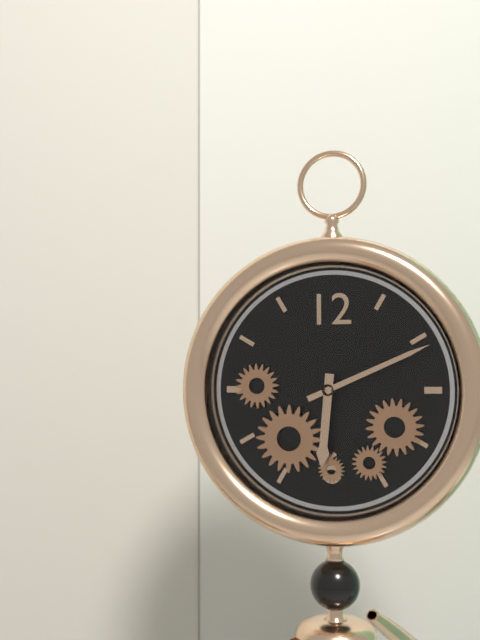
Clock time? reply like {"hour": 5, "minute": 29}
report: {"hour": 6, "minute": 11}
